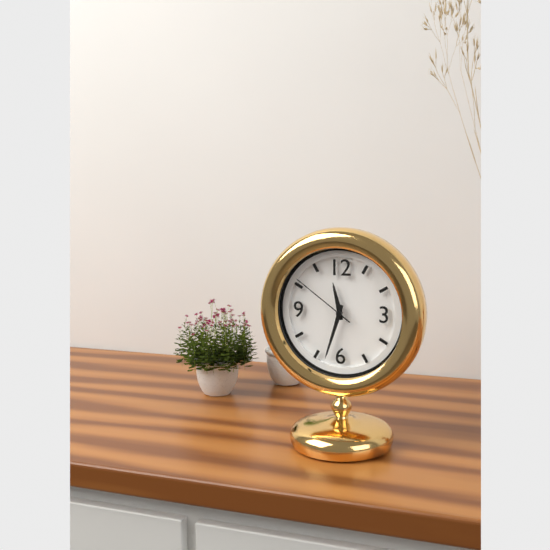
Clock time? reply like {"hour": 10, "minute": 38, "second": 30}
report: {"hour": 11, "minute": 33, "second": 51}
